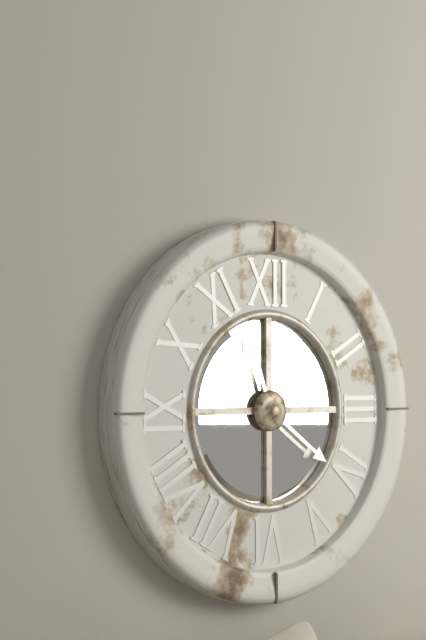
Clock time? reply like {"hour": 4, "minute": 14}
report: {"hour": 11, "minute": 21}
